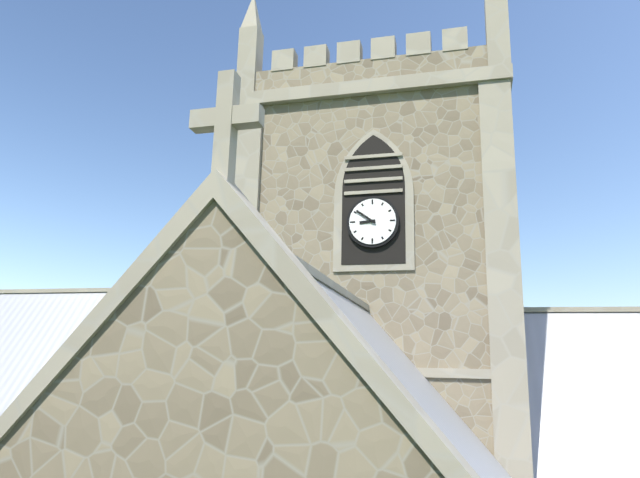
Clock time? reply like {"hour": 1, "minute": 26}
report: {"hour": 8, "minute": 51}
